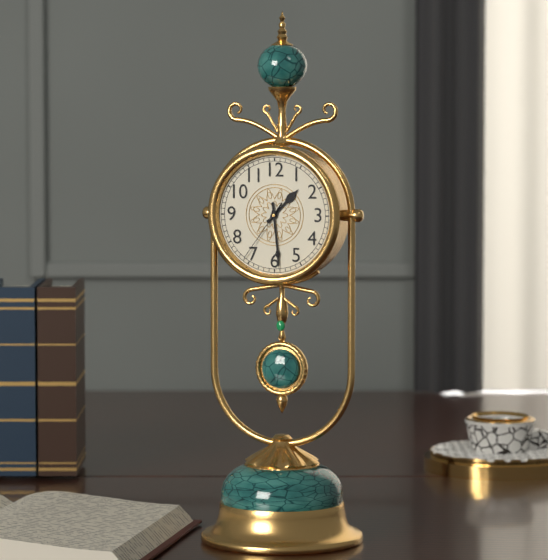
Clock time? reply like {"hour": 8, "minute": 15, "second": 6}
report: {"hour": 1, "minute": 29, "second": 36}
